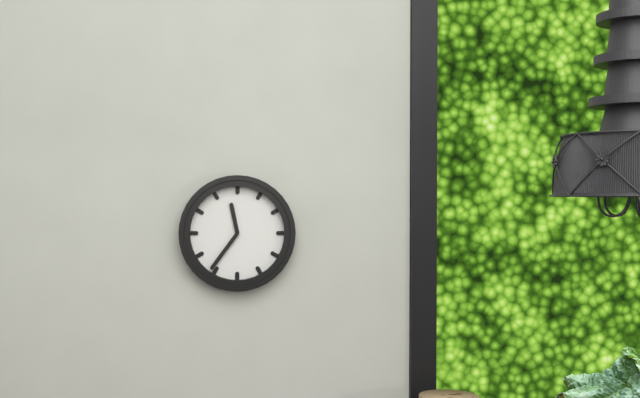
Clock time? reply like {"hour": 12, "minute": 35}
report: {"hour": 11, "minute": 36}
